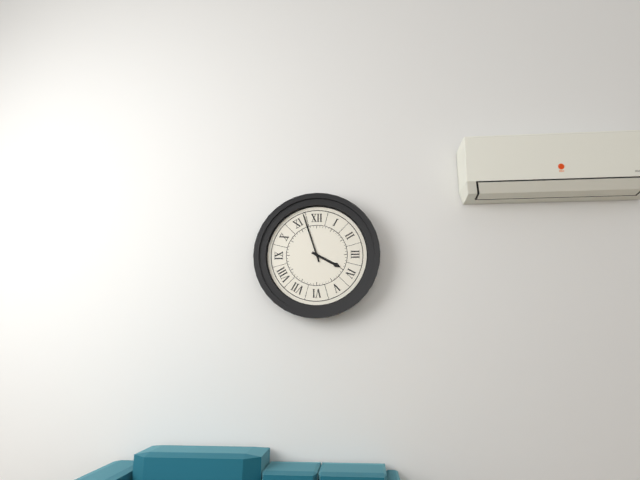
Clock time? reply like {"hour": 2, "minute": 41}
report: {"hour": 3, "minute": 57}
